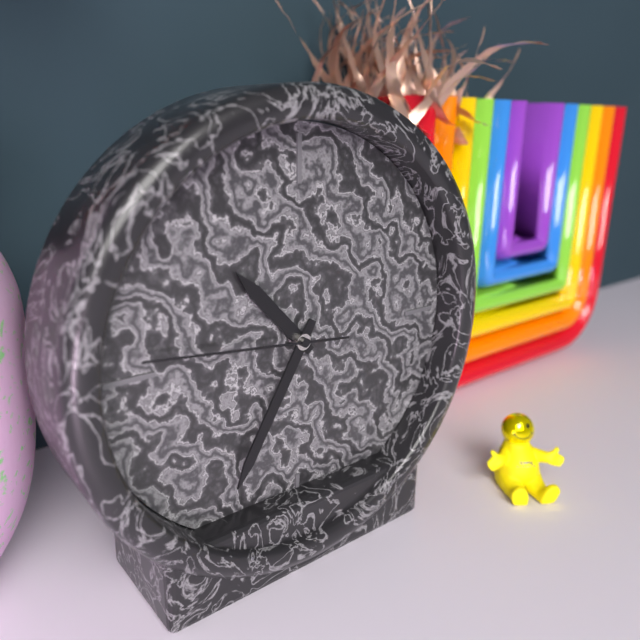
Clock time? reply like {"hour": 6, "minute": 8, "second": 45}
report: {"hour": 10, "minute": 35, "second": 46}
